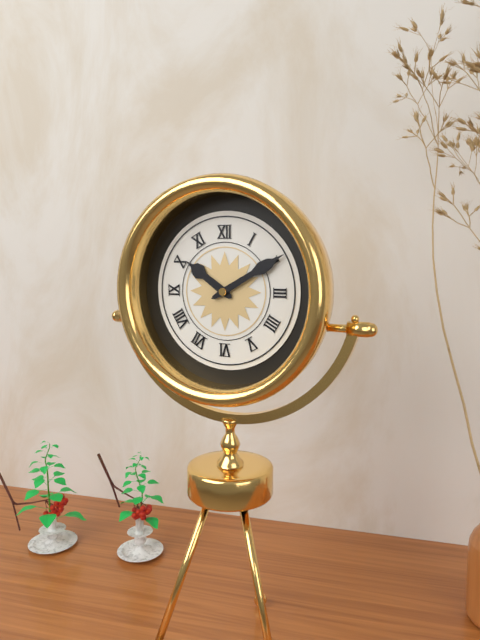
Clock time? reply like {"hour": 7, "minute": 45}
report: {"hour": 10, "minute": 10}
